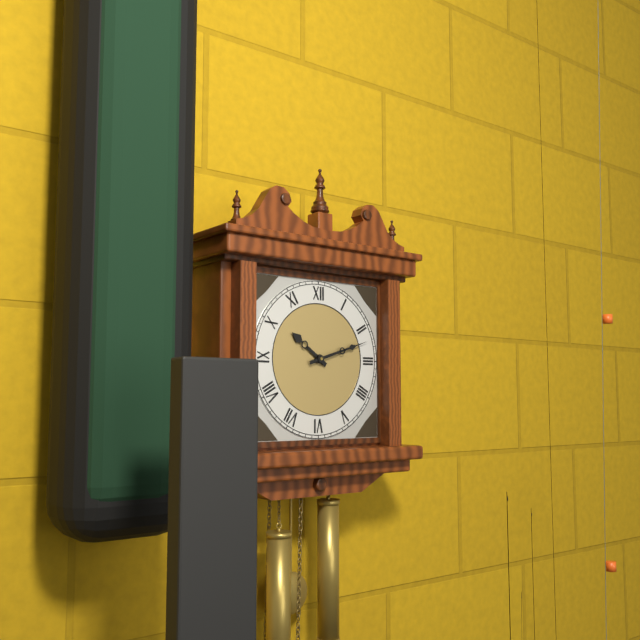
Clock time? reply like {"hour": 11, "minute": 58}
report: {"hour": 10, "minute": 12}
